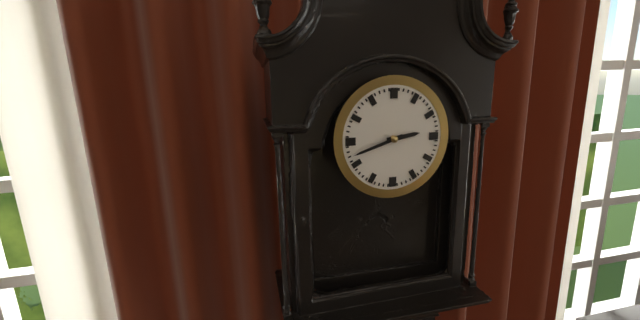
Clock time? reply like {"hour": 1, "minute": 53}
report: {"hour": 2, "minute": 42}
